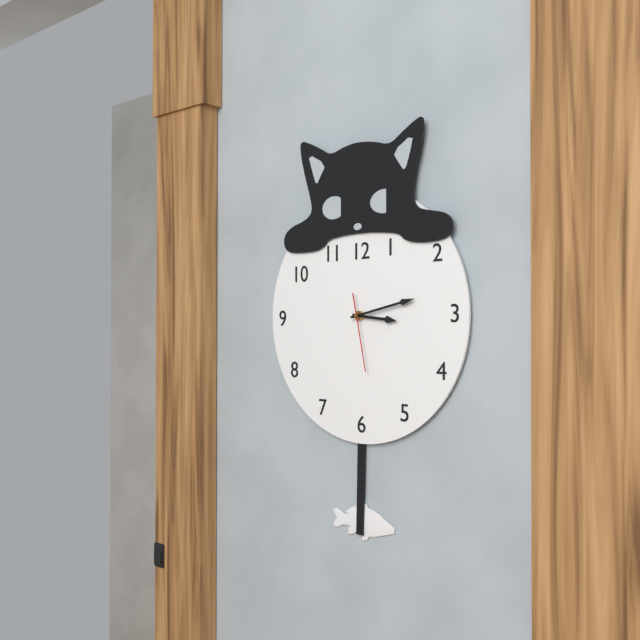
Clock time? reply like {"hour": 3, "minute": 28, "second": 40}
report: {"hour": 3, "minute": 13, "second": 28}
